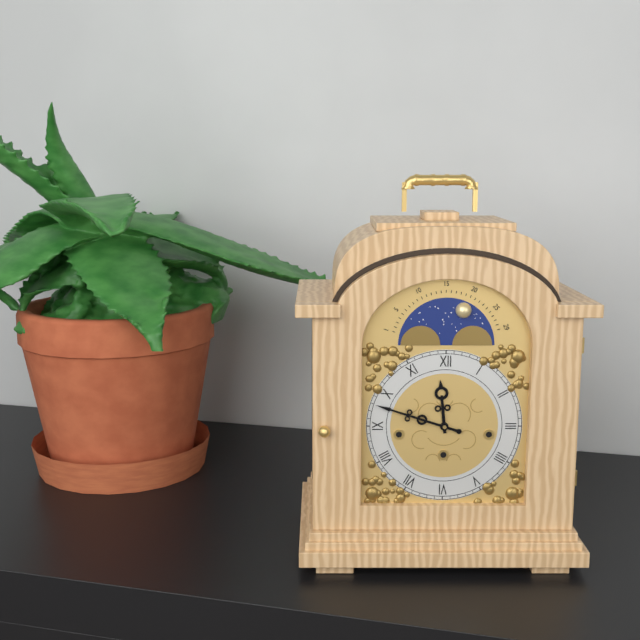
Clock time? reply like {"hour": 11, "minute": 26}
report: {"hour": 11, "minute": 48}
